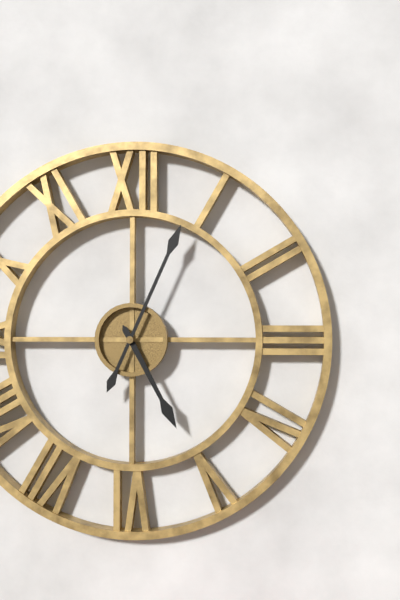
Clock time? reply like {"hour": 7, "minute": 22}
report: {"hour": 5, "minute": 4}
